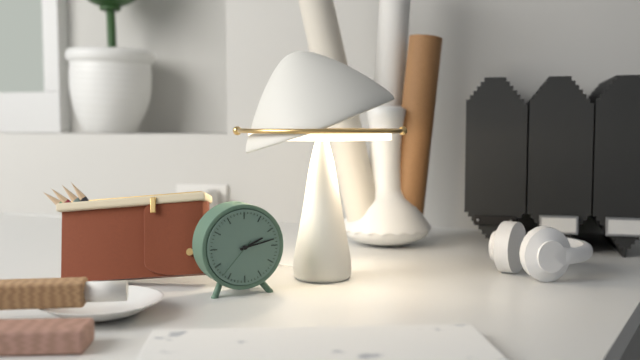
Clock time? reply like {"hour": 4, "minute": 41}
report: {"hour": 2, "minute": 13}
